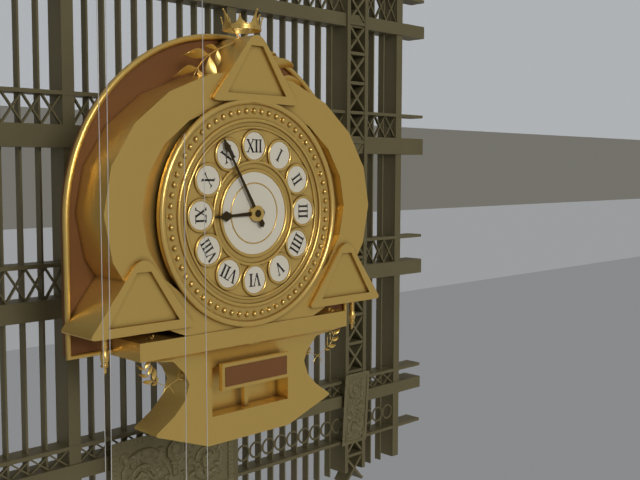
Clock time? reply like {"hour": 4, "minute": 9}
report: {"hour": 8, "minute": 55}
